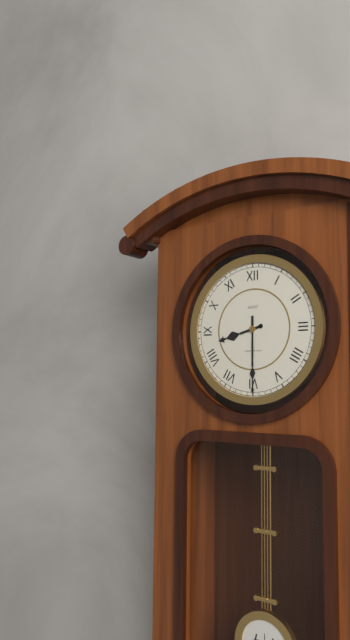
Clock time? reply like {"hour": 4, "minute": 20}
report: {"hour": 8, "minute": 30}
